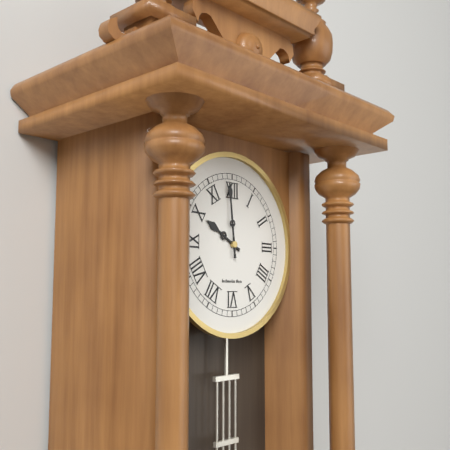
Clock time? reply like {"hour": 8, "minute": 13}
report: {"hour": 9, "minute": 59}
